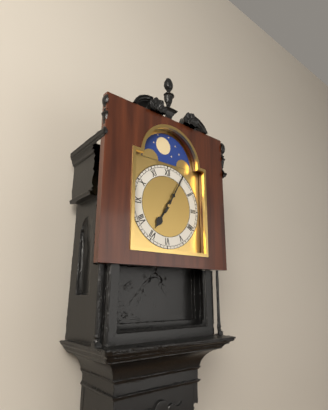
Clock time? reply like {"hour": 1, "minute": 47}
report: {"hour": 7, "minute": 5}
